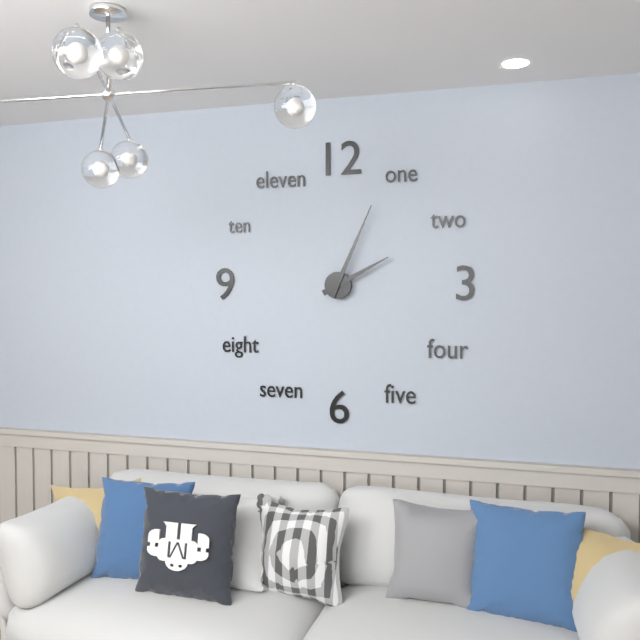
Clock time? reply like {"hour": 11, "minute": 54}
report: {"hour": 2, "minute": 4}
